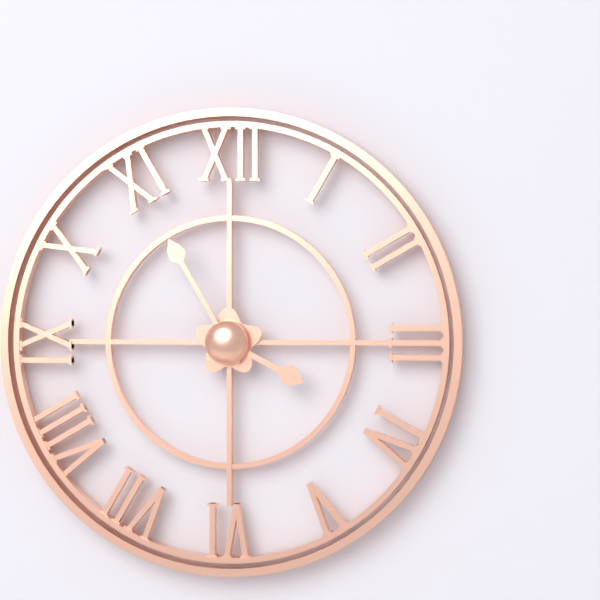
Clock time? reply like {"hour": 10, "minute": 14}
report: {"hour": 3, "minute": 55}
